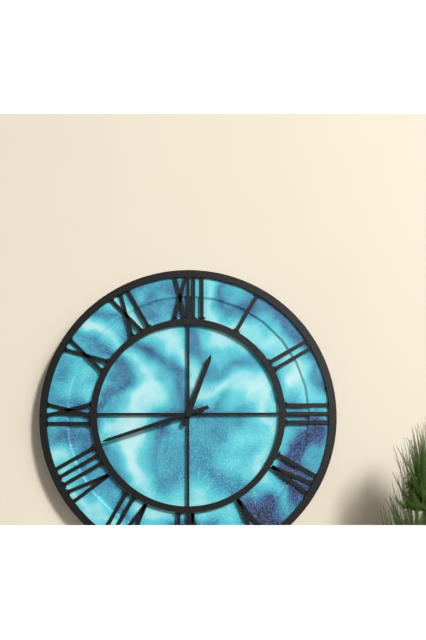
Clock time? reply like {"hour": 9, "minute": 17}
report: {"hour": 12, "minute": 42}
